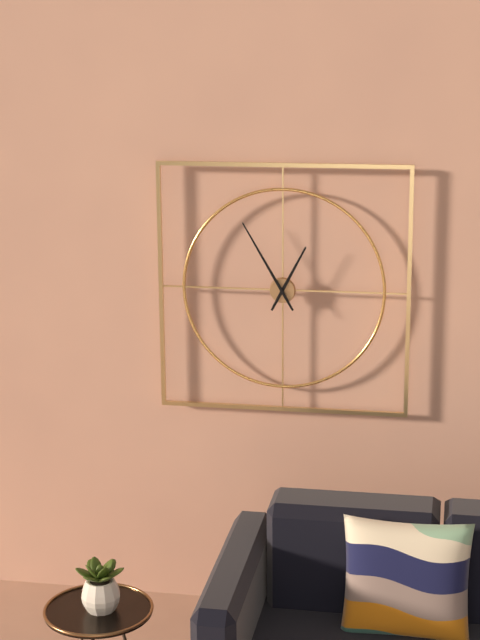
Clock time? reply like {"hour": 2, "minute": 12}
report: {"hour": 12, "minute": 55}
